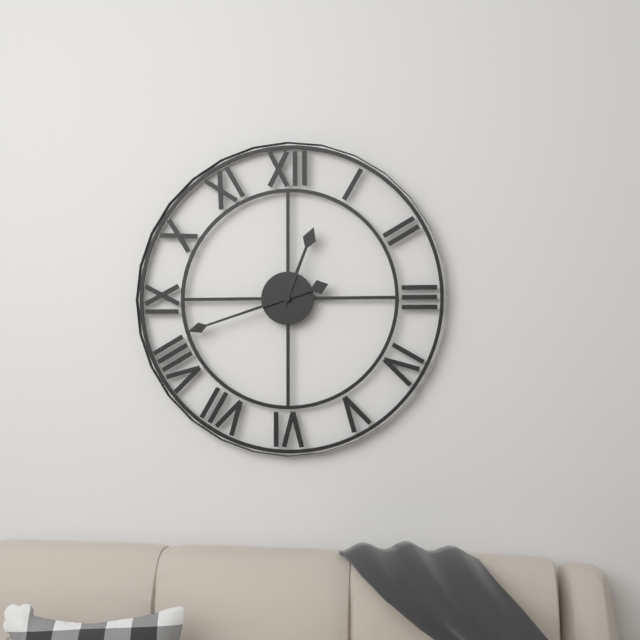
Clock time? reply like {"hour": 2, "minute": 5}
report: {"hour": 12, "minute": 42}
